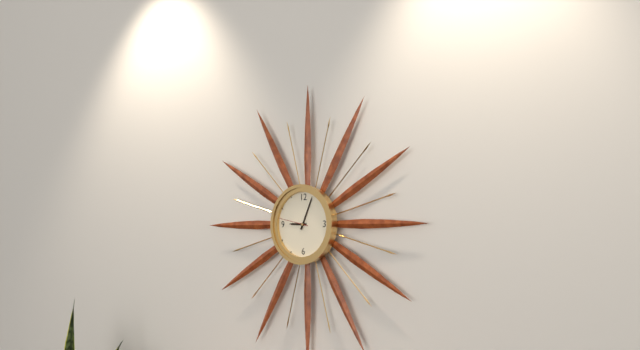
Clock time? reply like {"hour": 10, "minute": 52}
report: {"hour": 9, "minute": 4}
